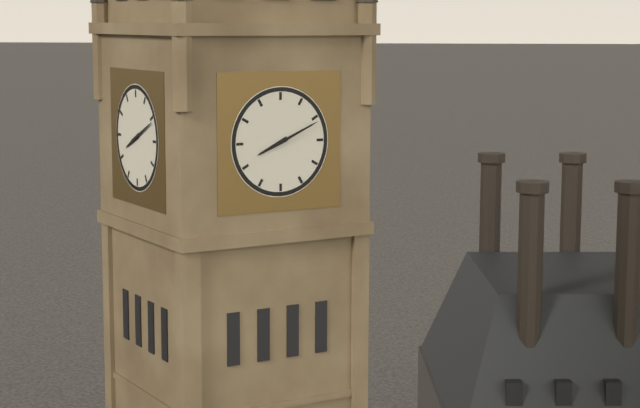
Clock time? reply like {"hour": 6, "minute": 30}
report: {"hour": 8, "minute": 11}
